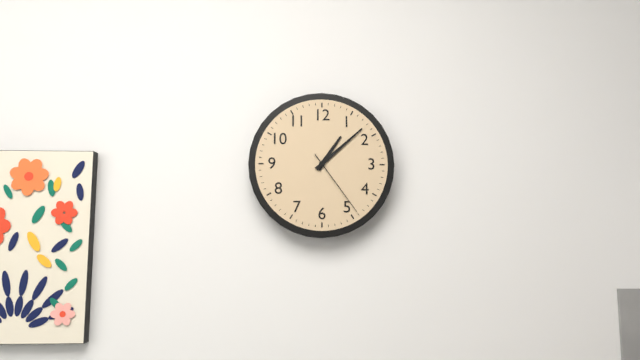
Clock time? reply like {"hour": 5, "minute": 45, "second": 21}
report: {"hour": 1, "minute": 8, "second": 24}
